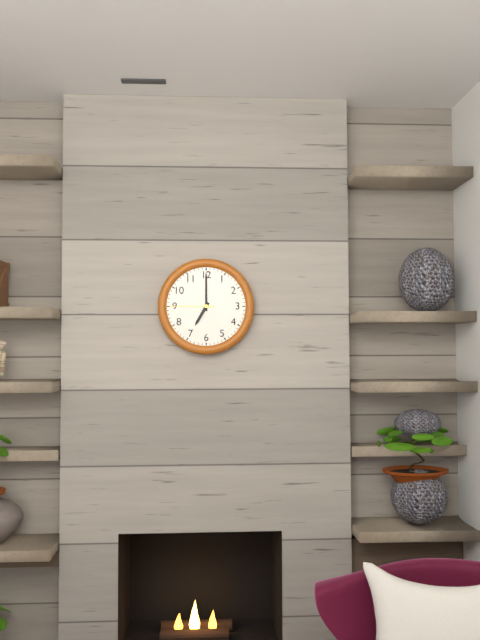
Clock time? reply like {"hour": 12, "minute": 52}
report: {"hour": 7, "minute": 0}
